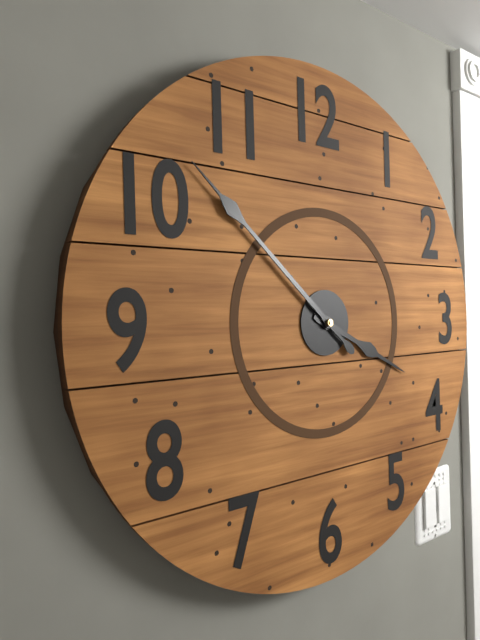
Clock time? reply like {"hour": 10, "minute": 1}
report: {"hour": 3, "minute": 52}
